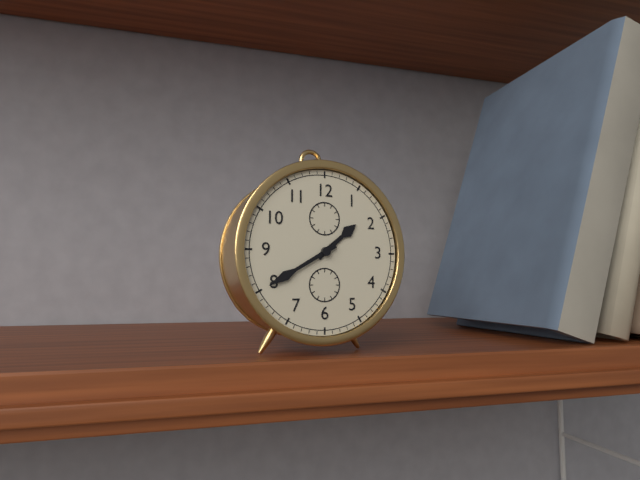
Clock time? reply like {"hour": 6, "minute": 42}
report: {"hour": 1, "minute": 40}
